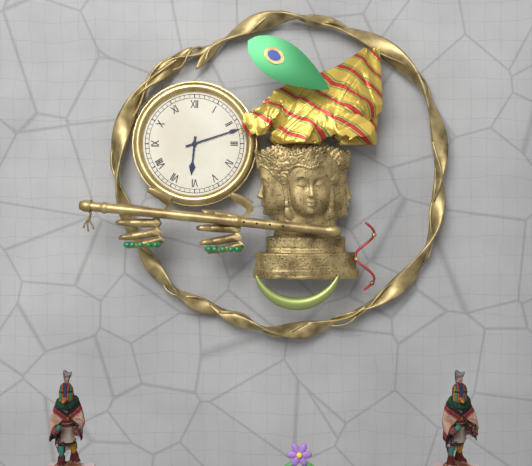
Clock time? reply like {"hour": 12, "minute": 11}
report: {"hour": 6, "minute": 12}
